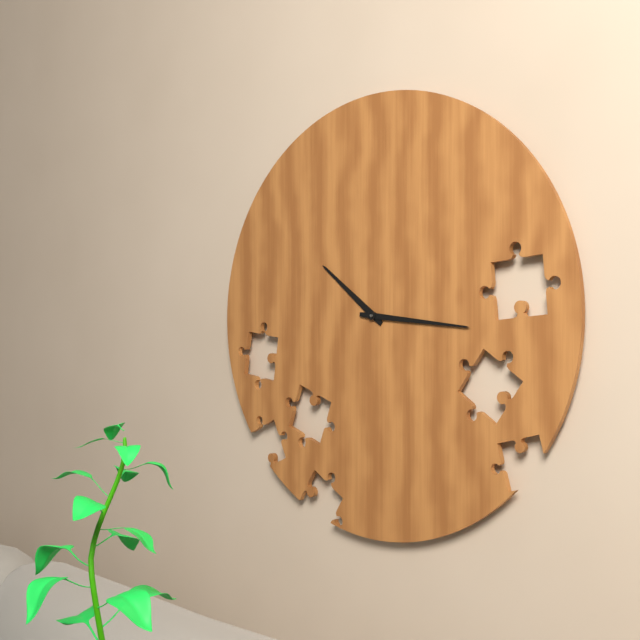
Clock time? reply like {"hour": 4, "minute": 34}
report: {"hour": 10, "minute": 16}
